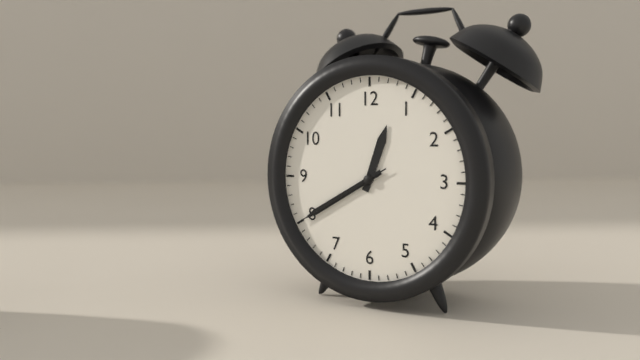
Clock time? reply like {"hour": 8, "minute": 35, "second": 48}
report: {"hour": 12, "minute": 40, "second": 40}
